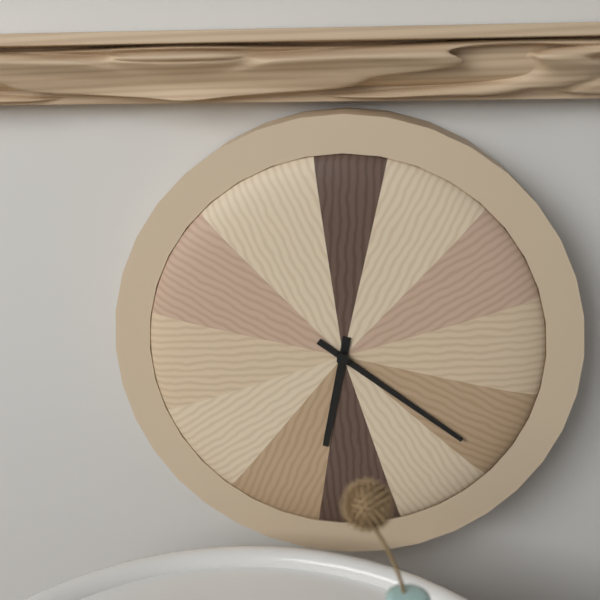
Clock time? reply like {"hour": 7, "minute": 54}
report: {"hour": 6, "minute": 21}
